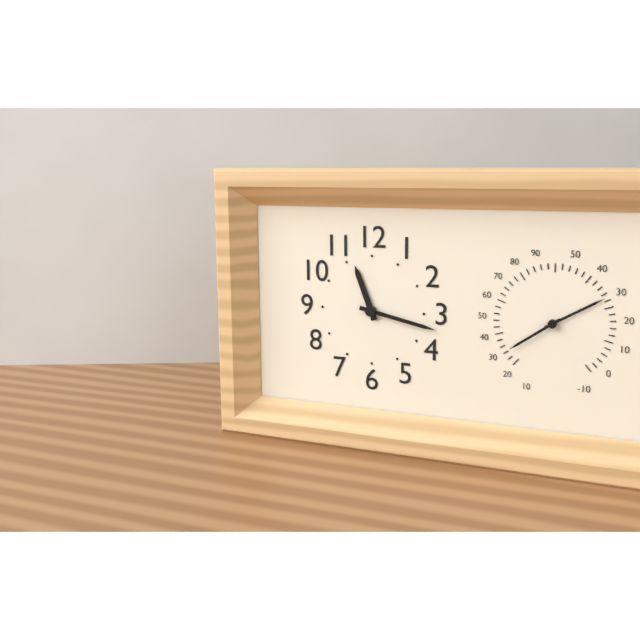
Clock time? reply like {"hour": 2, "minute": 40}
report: {"hour": 11, "minute": 17}
